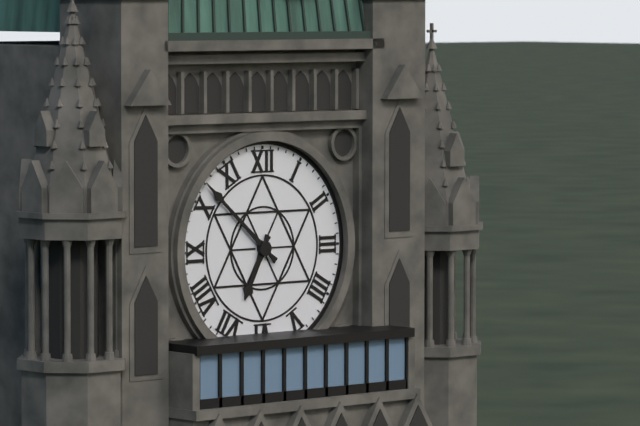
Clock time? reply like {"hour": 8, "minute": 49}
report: {"hour": 6, "minute": 52}
